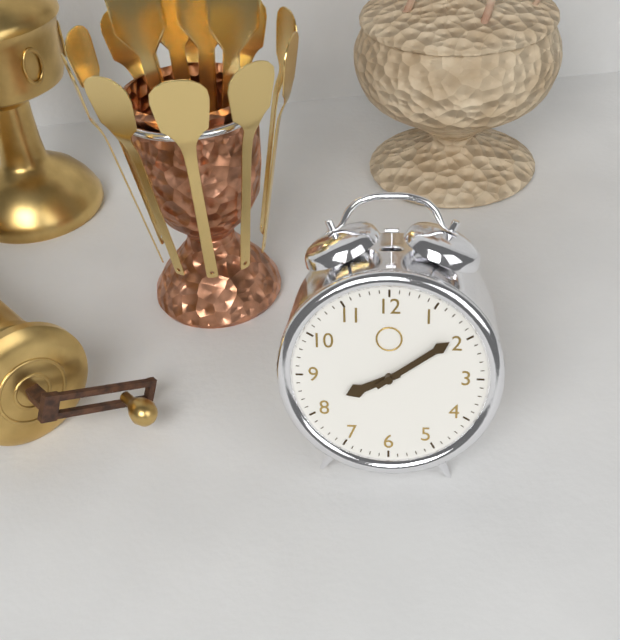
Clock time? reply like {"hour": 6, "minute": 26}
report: {"hour": 8, "minute": 9}
